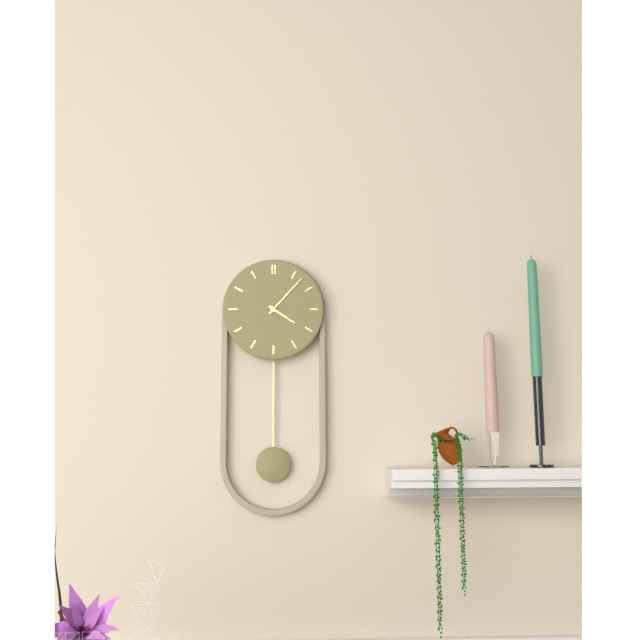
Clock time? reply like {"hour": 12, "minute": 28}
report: {"hour": 4, "minute": 7}
